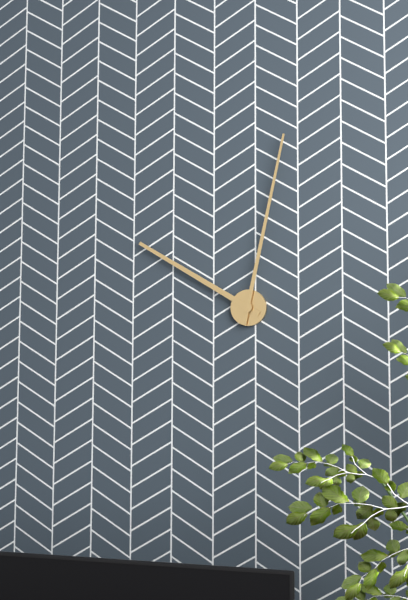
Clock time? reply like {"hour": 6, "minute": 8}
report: {"hour": 10, "minute": 2}
